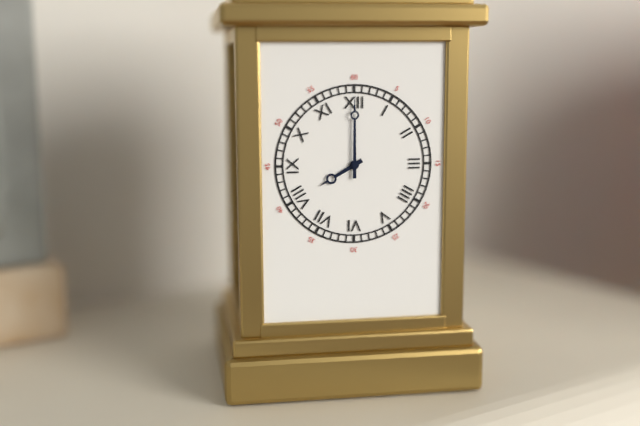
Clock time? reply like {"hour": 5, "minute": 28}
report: {"hour": 8, "minute": 0}
